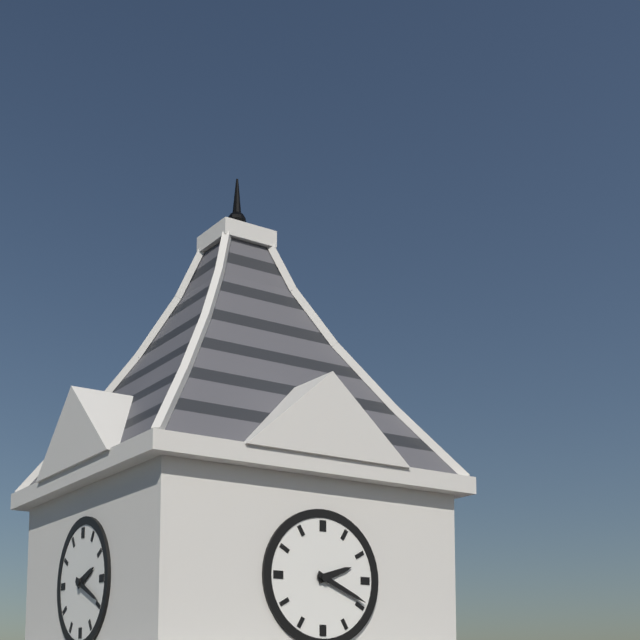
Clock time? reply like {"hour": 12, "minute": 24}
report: {"hour": 2, "minute": 19}
